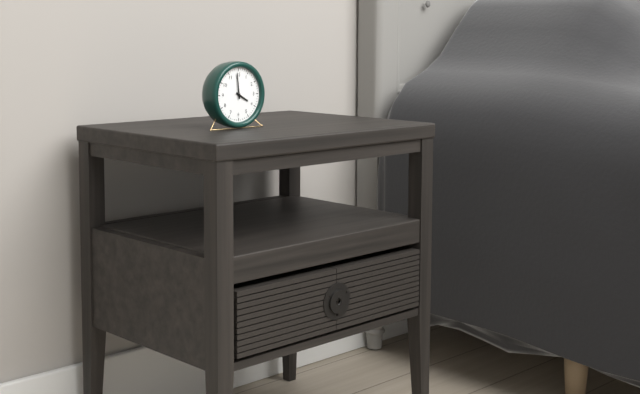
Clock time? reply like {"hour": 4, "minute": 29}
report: {"hour": 3, "minute": 59}
